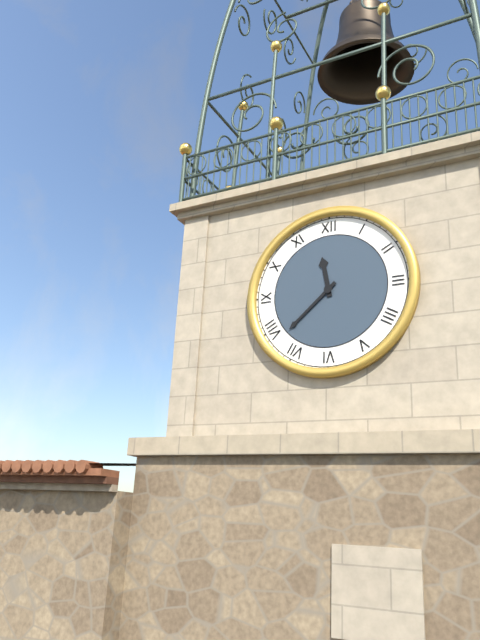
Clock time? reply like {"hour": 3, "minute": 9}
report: {"hour": 11, "minute": 38}
